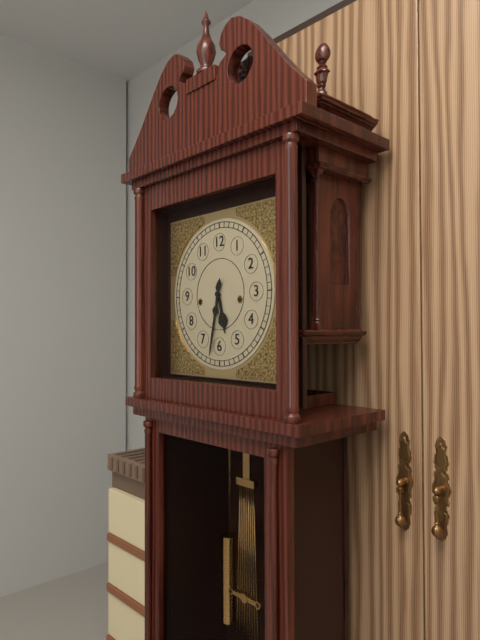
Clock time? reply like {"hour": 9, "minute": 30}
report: {"hour": 5, "minute": 32}
